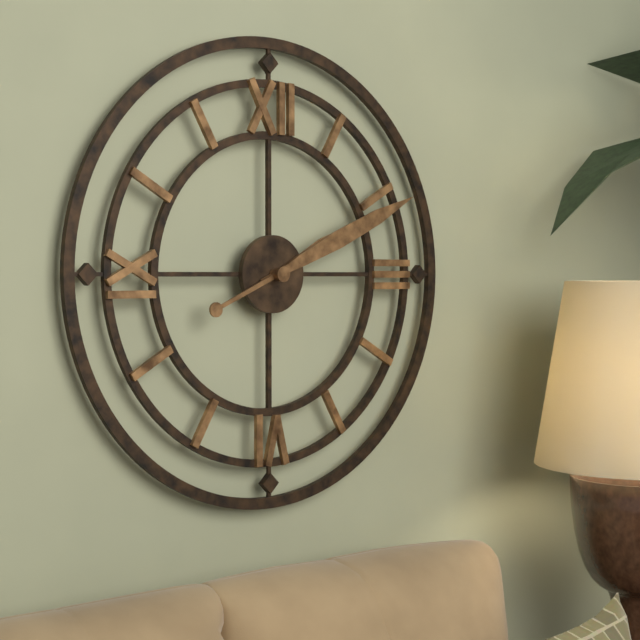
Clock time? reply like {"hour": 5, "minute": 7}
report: {"hour": 2, "minute": 11}
